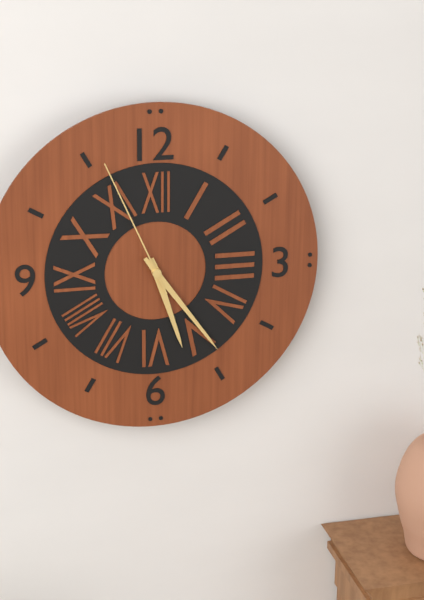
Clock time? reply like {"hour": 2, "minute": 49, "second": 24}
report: {"hour": 5, "minute": 24, "second": 56}
